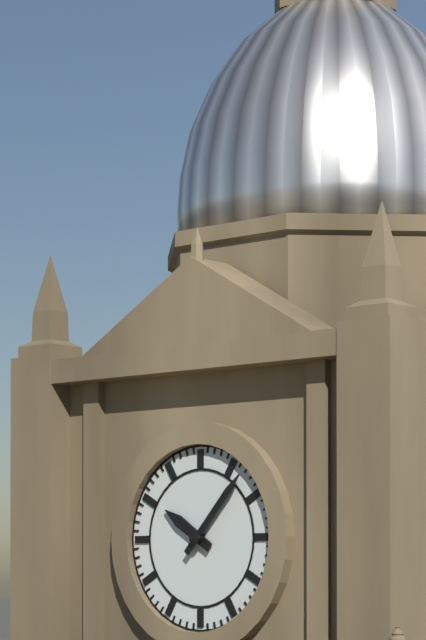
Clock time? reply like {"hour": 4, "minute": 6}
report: {"hour": 10, "minute": 7}
